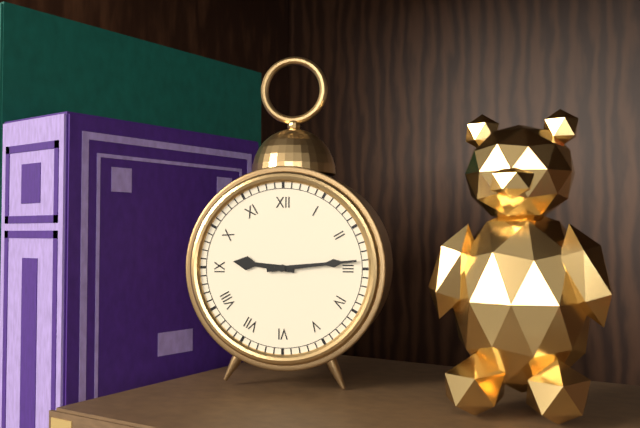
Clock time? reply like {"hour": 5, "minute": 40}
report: {"hour": 9, "minute": 14}
